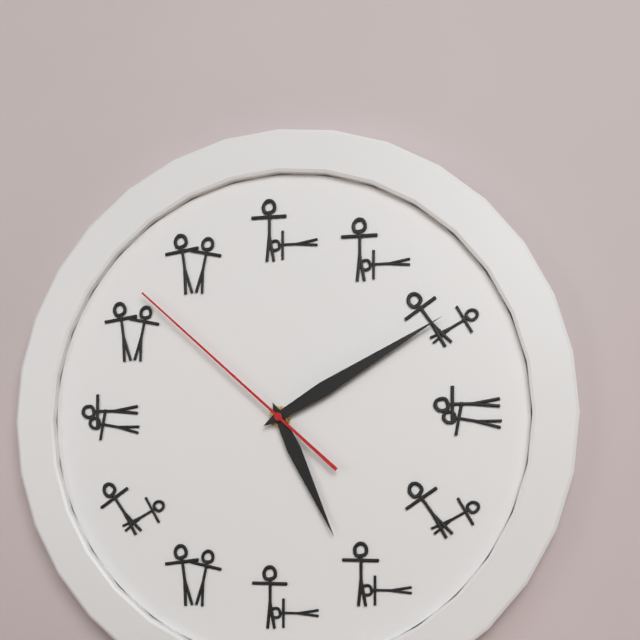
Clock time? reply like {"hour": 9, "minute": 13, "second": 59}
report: {"hour": 5, "minute": 10, "second": 52}
